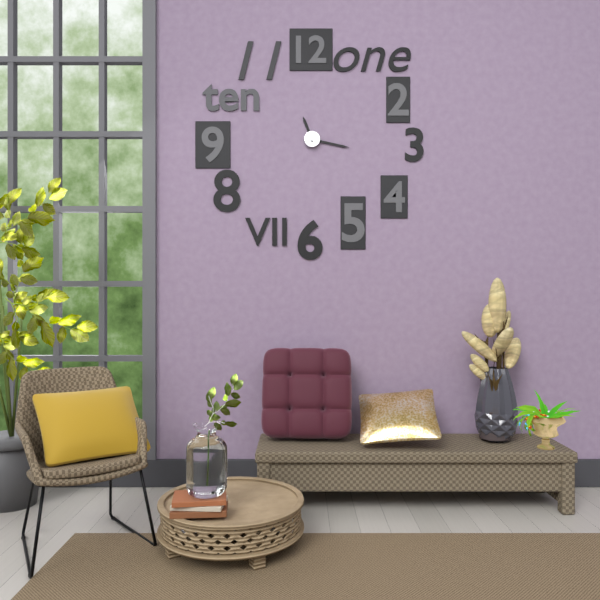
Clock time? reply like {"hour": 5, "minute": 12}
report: {"hour": 11, "minute": 17}
